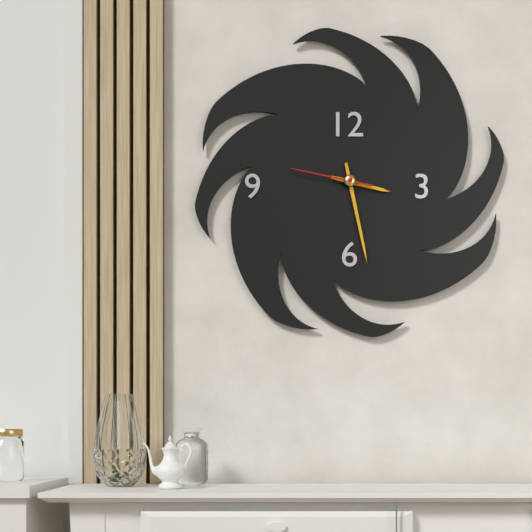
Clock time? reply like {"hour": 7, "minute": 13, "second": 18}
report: {"hour": 3, "minute": 28, "second": 47}
